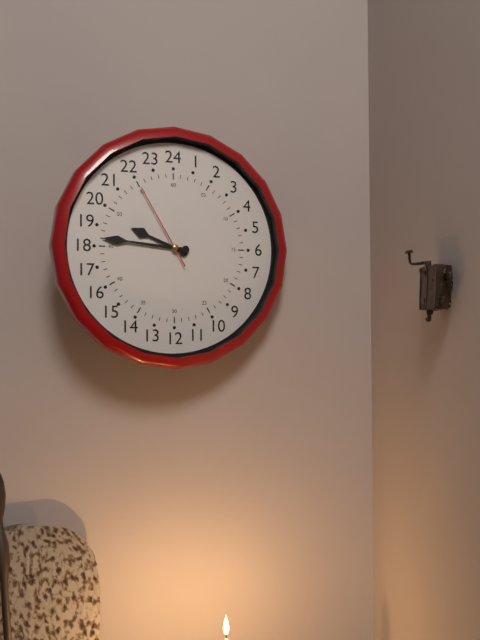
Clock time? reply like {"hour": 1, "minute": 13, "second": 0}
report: {"hour": 9, "minute": 46, "second": 55}
